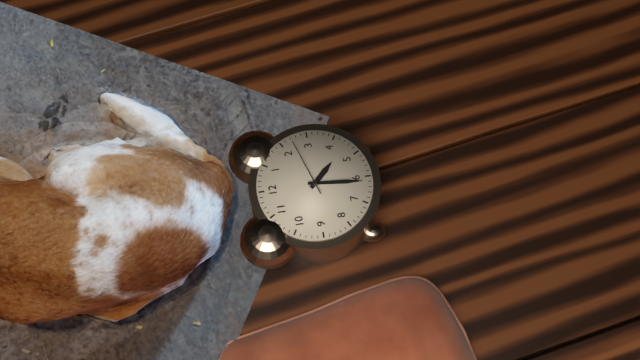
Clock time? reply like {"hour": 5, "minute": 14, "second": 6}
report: {"hour": 4, "minute": 31, "second": 12}
